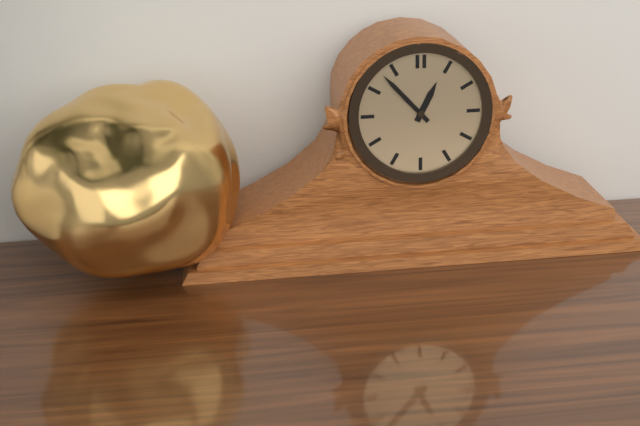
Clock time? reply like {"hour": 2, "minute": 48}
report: {"hour": 12, "minute": 53}
